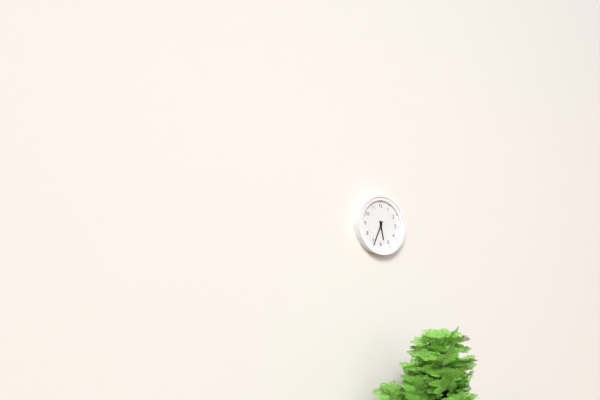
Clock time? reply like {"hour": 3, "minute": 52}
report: {"hour": 5, "minute": 34}
